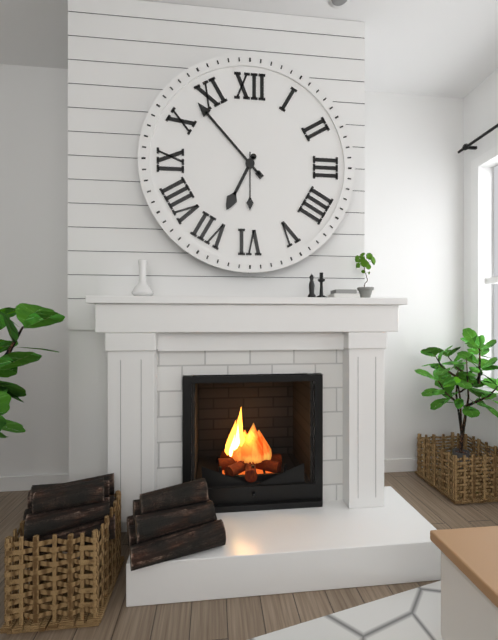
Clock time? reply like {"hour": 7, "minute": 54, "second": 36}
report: {"hour": 6, "minute": 53, "second": 30}
